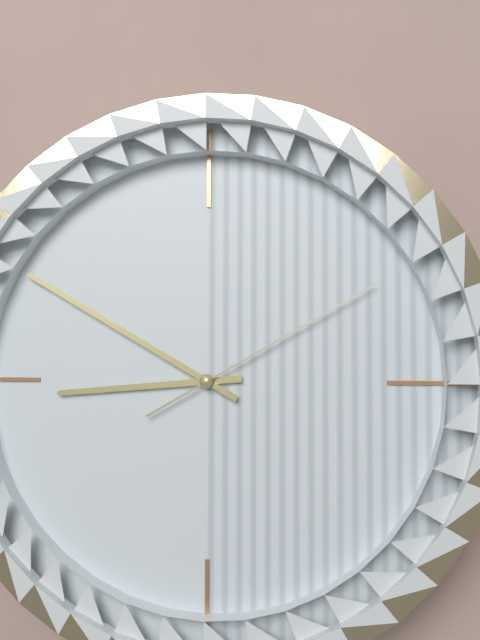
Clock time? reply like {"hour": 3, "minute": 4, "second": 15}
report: {"hour": 8, "minute": 50, "second": 10}
